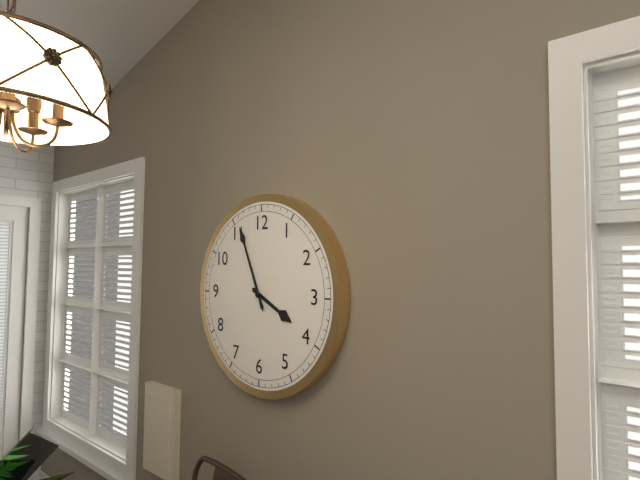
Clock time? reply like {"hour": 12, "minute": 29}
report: {"hour": 3, "minute": 56}
